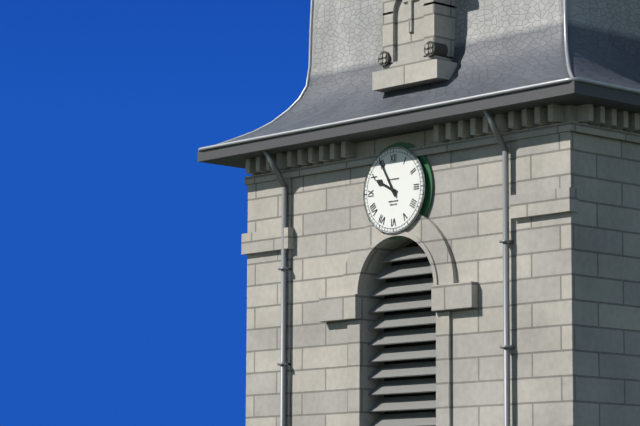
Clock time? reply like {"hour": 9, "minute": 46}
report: {"hour": 9, "minute": 55}
